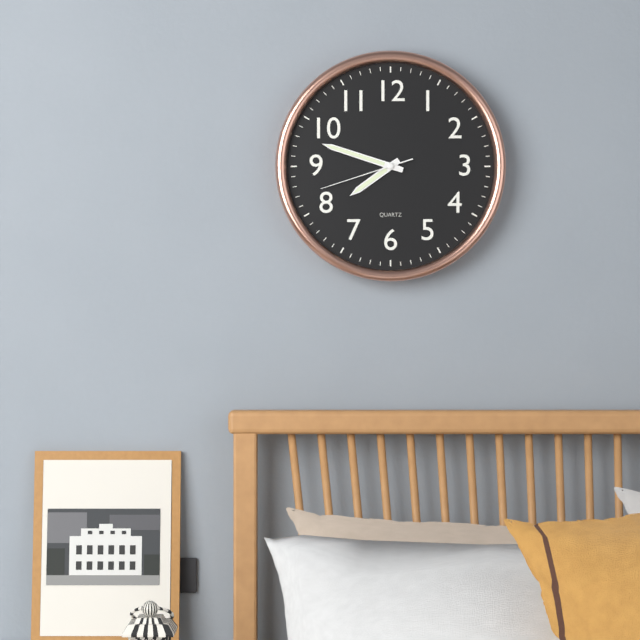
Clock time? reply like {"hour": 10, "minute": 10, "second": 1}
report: {"hour": 7, "minute": 48, "second": 42}
